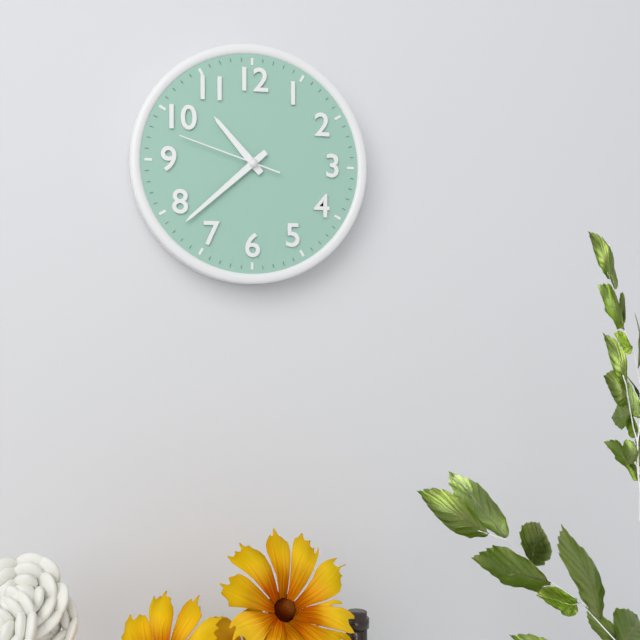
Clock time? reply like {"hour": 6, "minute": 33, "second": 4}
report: {"hour": 10, "minute": 38, "second": 48}
